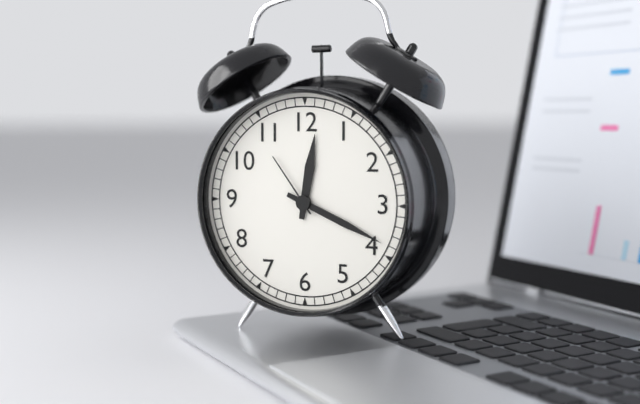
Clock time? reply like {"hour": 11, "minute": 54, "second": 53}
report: {"hour": 12, "minute": 19, "second": 54}
